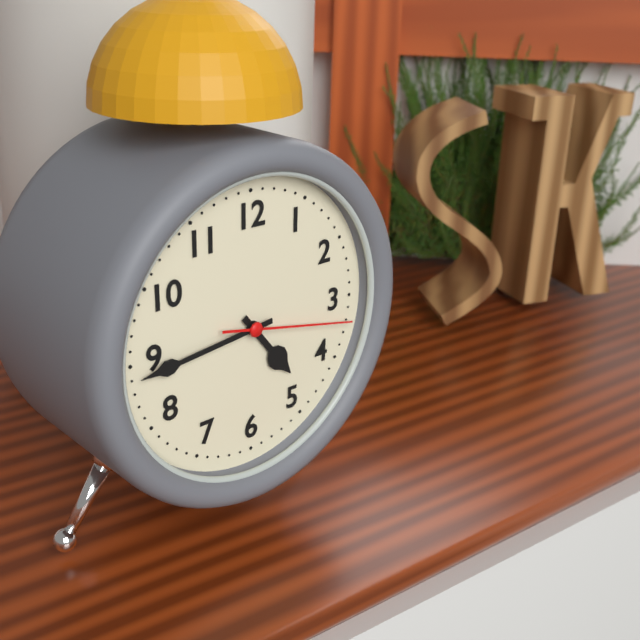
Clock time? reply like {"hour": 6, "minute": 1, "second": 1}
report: {"hour": 4, "minute": 44, "second": 17}
